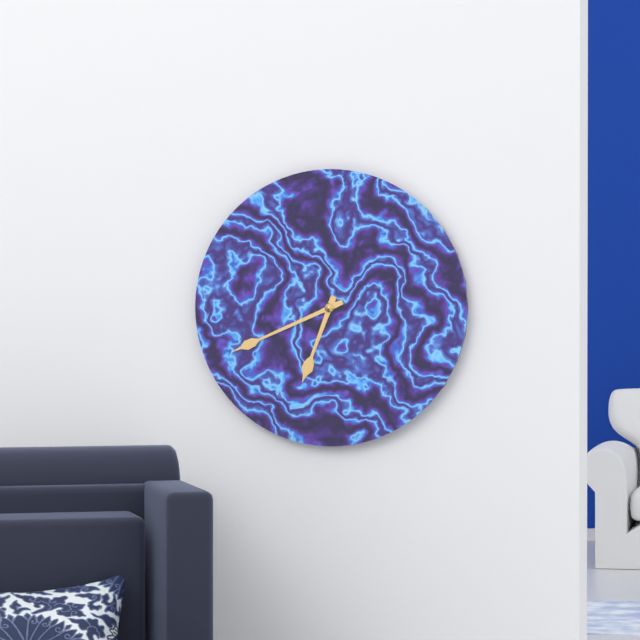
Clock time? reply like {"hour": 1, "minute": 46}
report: {"hour": 6, "minute": 41}
